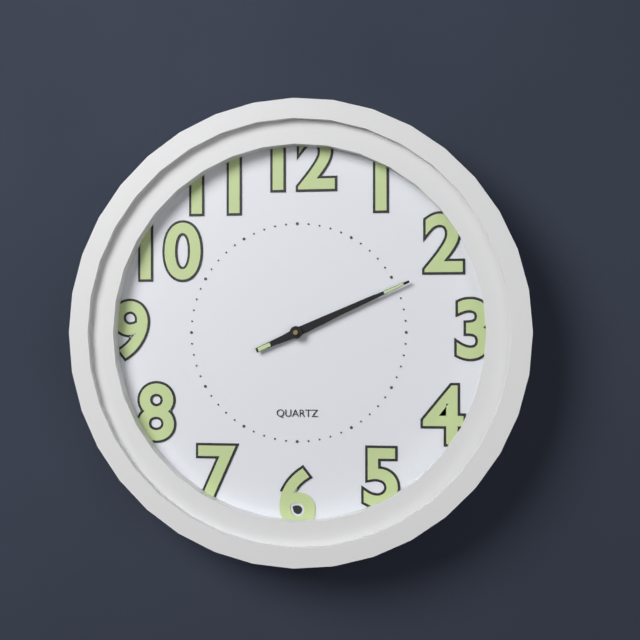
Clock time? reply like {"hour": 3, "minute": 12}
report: {"hour": 2, "minute": 11}
